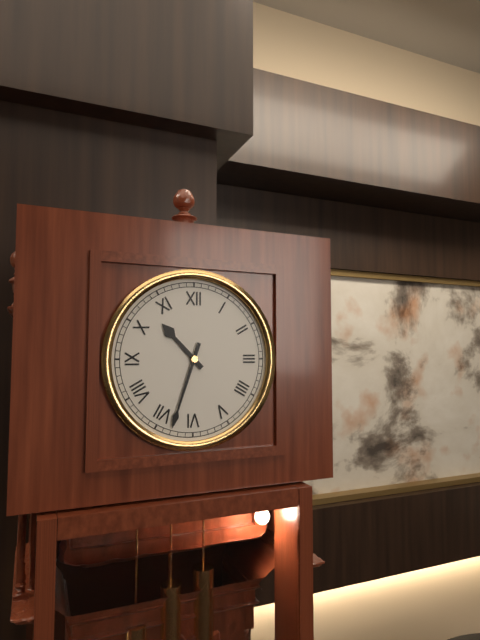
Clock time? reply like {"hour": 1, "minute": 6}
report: {"hour": 10, "minute": 33}
